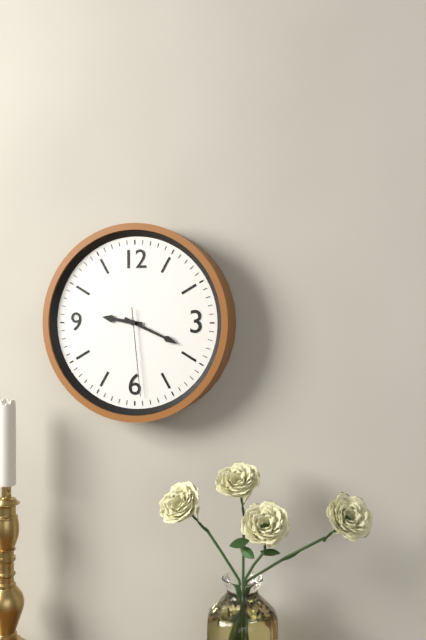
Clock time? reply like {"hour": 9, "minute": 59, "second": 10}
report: {"hour": 9, "minute": 19, "second": 29}
